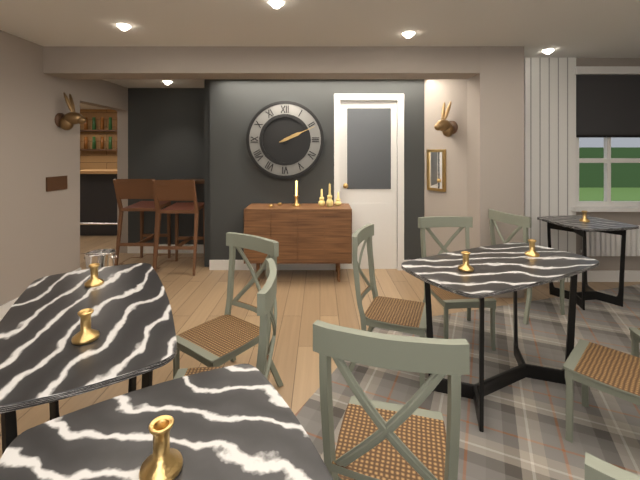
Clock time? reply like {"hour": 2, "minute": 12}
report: {"hour": 2, "minute": 11}
